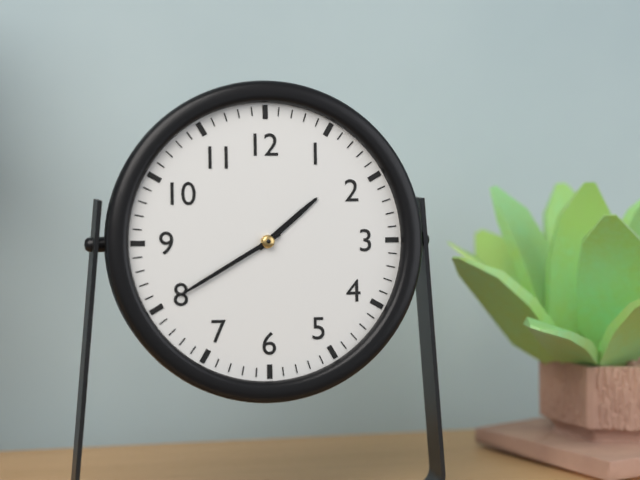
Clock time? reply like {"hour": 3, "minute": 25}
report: {"hour": 1, "minute": 40}
